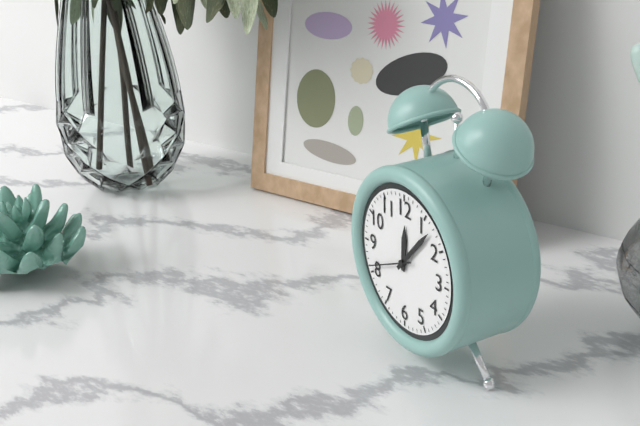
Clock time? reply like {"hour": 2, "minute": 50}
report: {"hour": 12, "minute": 7}
